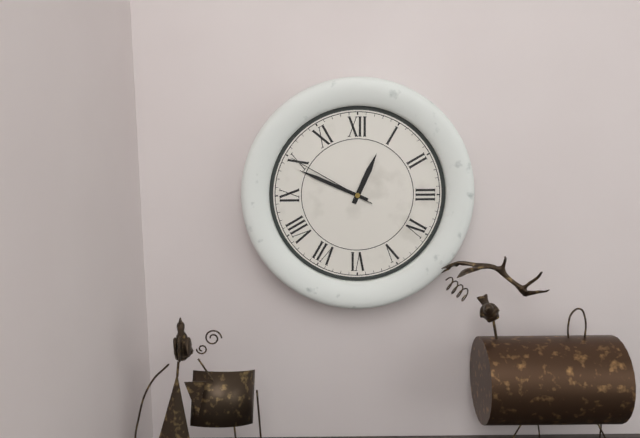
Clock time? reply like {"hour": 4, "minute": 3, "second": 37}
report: {"hour": 12, "minute": 49, "second": 50}
